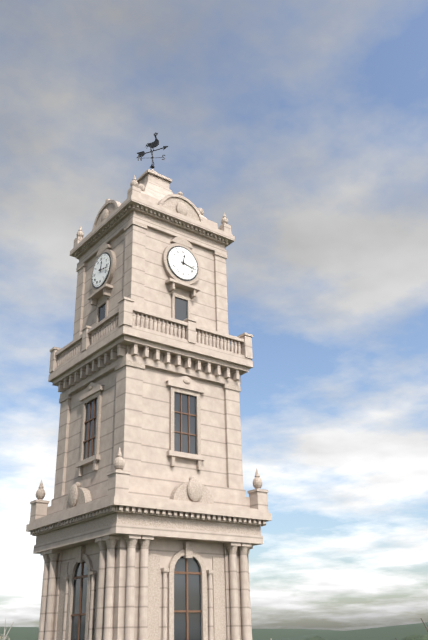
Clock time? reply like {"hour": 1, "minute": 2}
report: {"hour": 12, "minute": 17}
